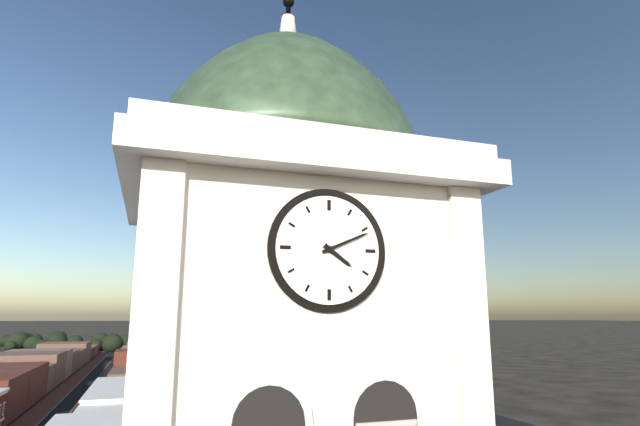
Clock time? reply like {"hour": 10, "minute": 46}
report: {"hour": 4, "minute": 11}
